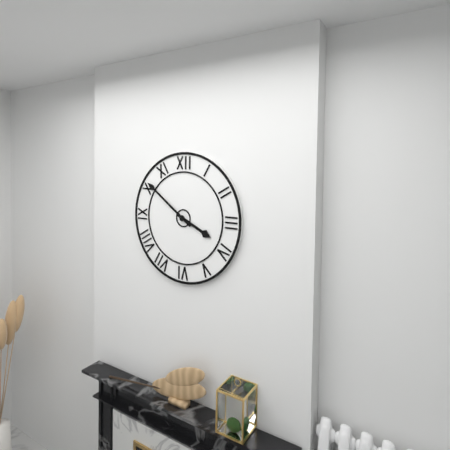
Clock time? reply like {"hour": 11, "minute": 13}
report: {"hour": 3, "minute": 51}
